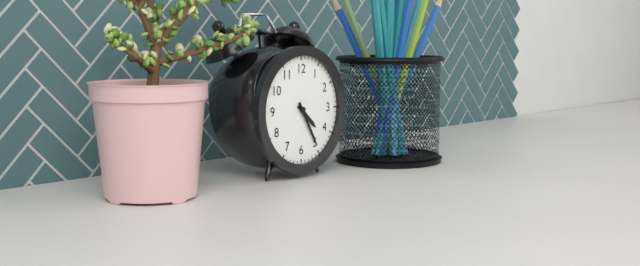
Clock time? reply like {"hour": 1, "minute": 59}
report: {"hour": 4, "minute": 25}
